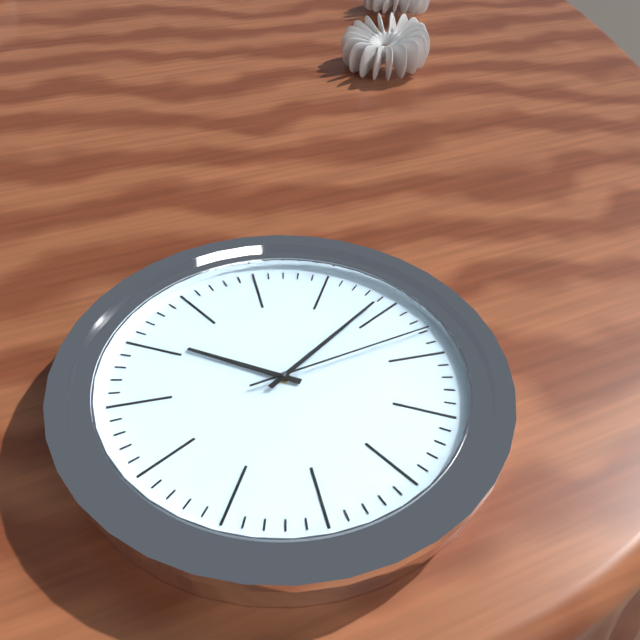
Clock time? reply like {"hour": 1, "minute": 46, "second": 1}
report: {"hour": 10, "minute": 9, "second": 13}
